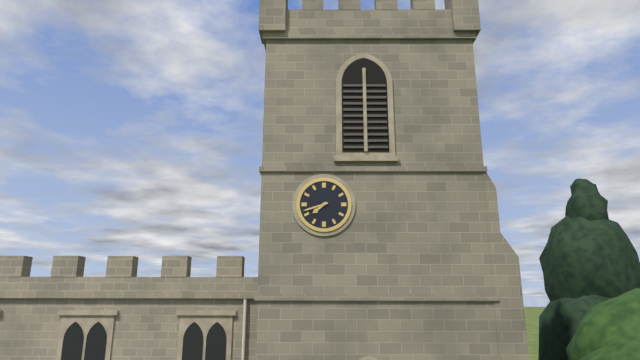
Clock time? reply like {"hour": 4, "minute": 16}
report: {"hour": 7, "minute": 42}
